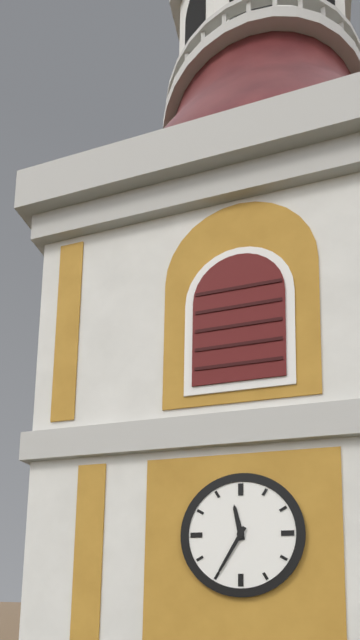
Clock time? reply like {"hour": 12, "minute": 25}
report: {"hour": 11, "minute": 35}
